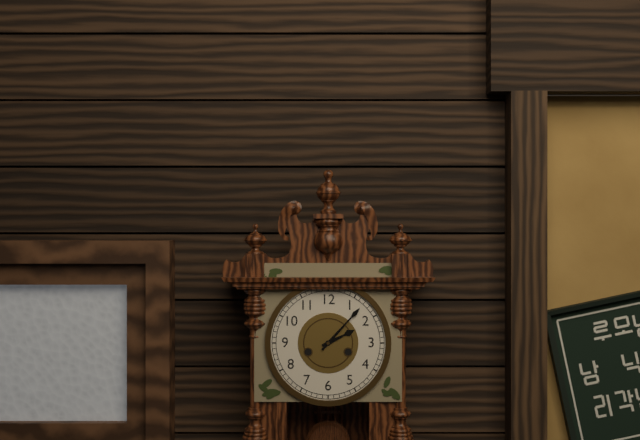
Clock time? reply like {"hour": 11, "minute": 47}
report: {"hour": 2, "minute": 7}
